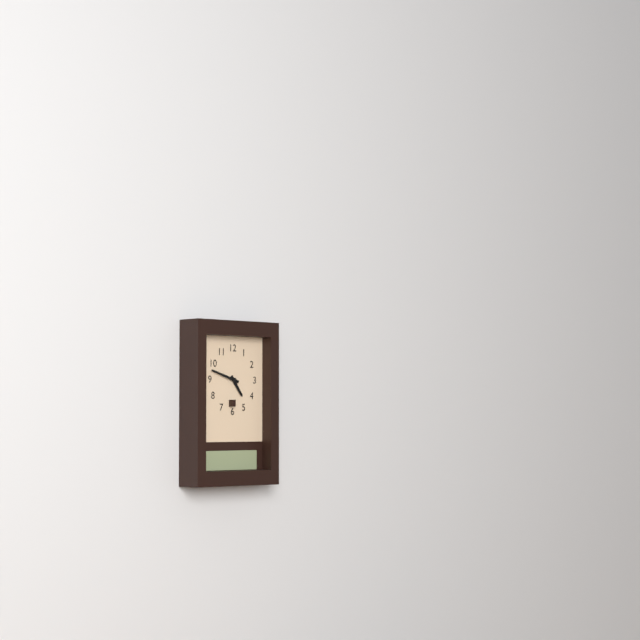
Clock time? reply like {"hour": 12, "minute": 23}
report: {"hour": 4, "minute": 48}
